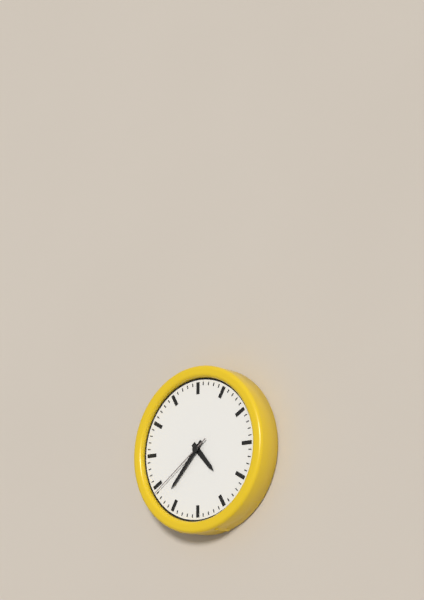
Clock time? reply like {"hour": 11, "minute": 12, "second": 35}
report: {"hour": 4, "minute": 37, "second": 39}
